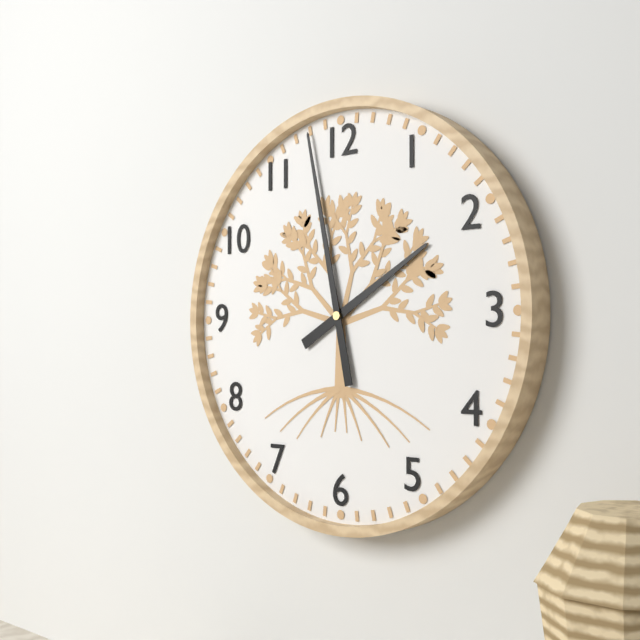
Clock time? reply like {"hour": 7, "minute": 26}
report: {"hour": 1, "minute": 58}
